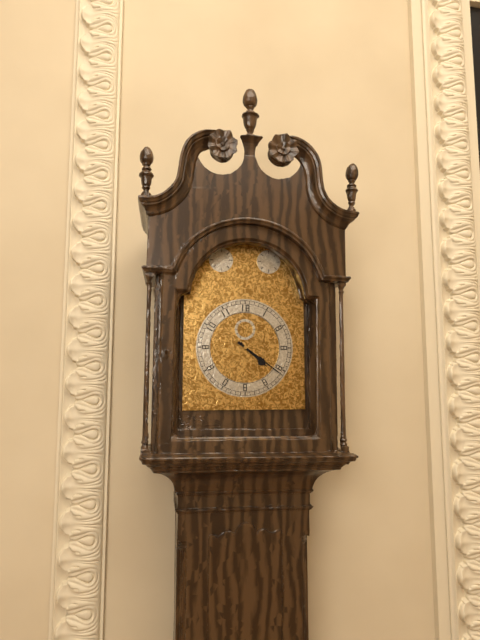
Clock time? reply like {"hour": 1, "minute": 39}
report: {"hour": 4, "minute": 21}
